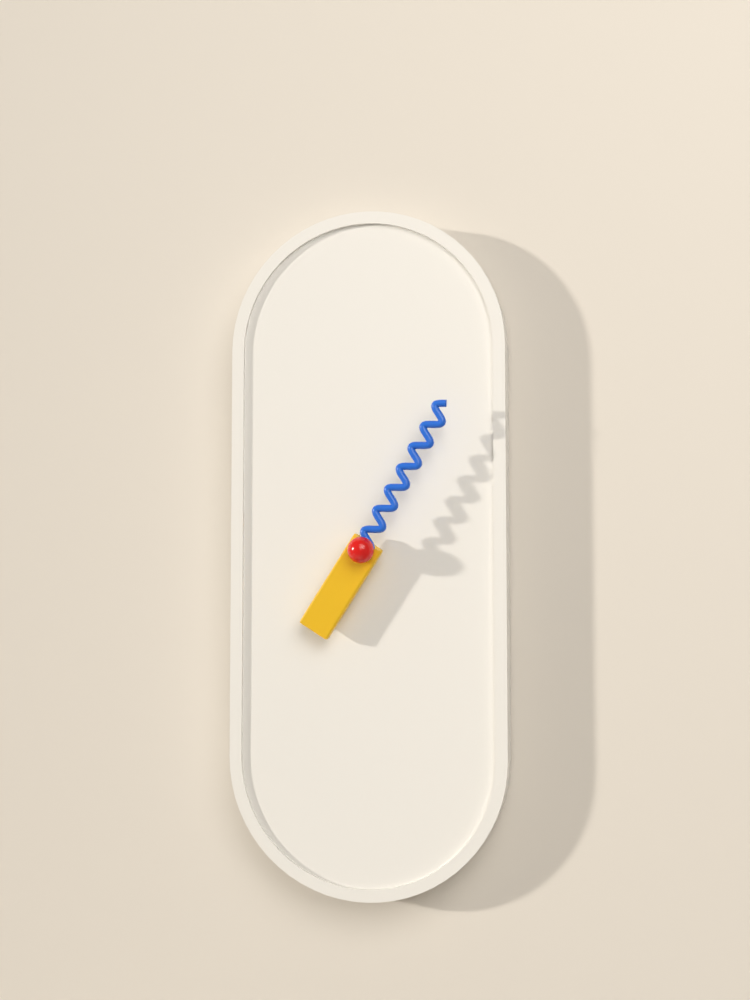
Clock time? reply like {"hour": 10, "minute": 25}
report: {"hour": 7, "minute": 5}
